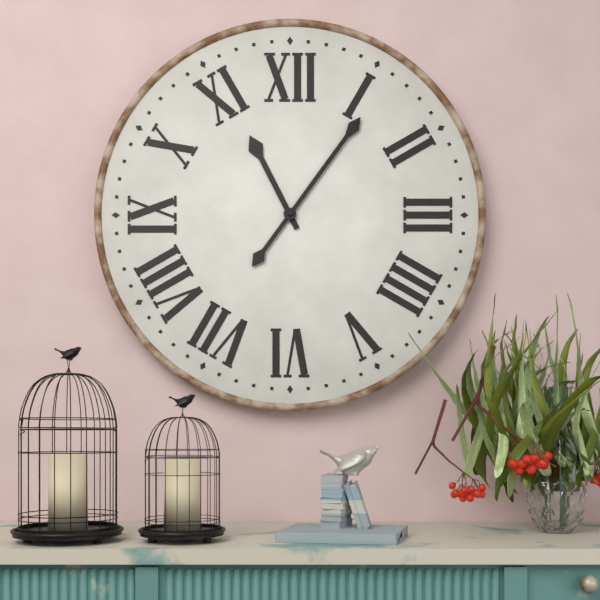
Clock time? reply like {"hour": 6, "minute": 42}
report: {"hour": 11, "minute": 6}
